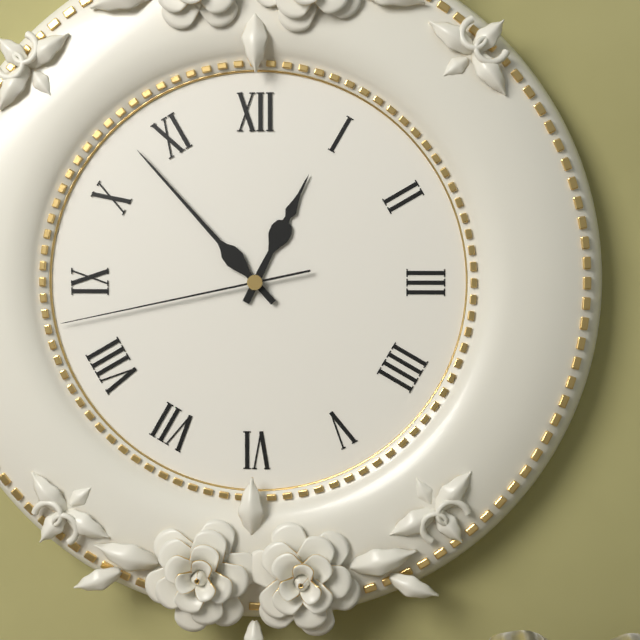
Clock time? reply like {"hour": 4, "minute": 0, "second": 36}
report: {"hour": 12, "minute": 53, "second": 43}
